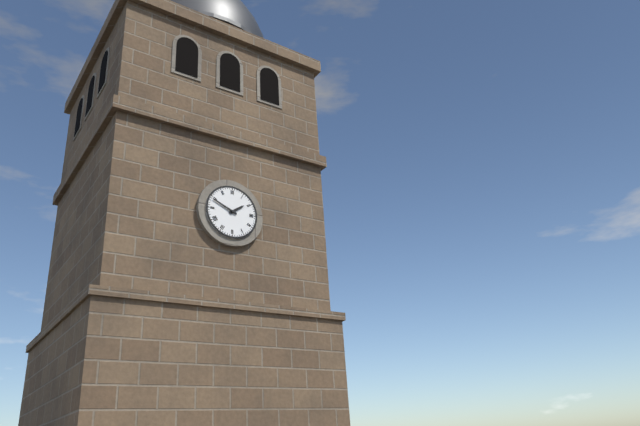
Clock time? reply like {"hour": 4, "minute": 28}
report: {"hour": 1, "minute": 49}
